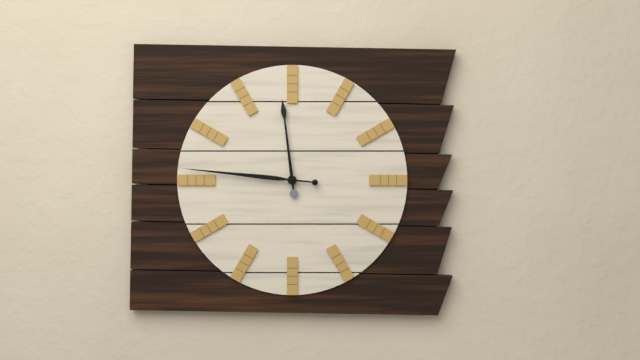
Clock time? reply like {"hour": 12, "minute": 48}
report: {"hour": 11, "minute": 46}
